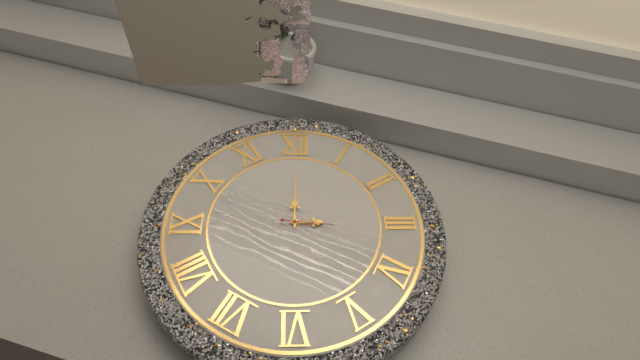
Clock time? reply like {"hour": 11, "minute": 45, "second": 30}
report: {"hour": 3, "minute": 0, "second": 16}
